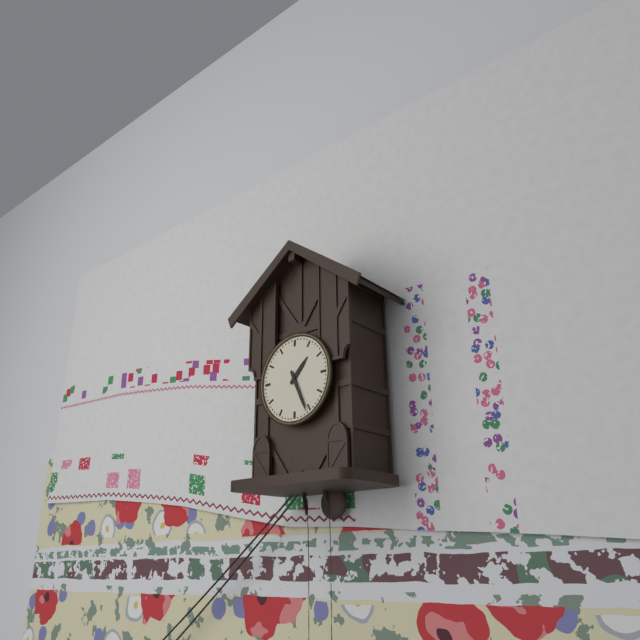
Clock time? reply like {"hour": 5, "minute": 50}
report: {"hour": 1, "minute": 26}
